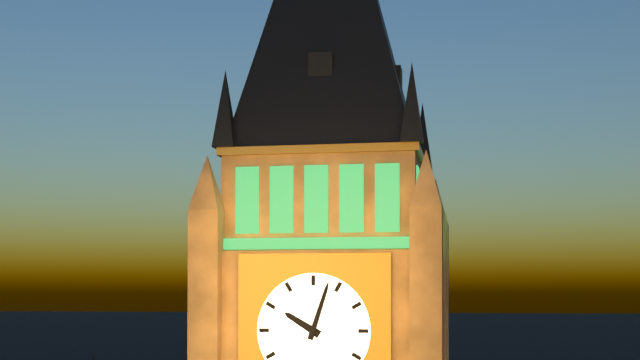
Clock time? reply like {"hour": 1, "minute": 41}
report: {"hour": 10, "minute": 3}
